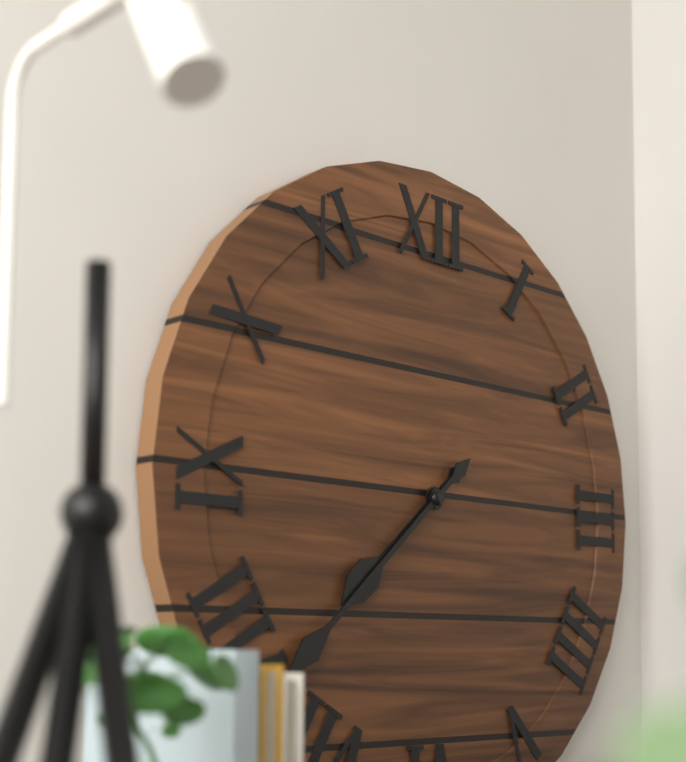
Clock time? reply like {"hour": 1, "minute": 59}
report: {"hour": 7, "minute": 38}
